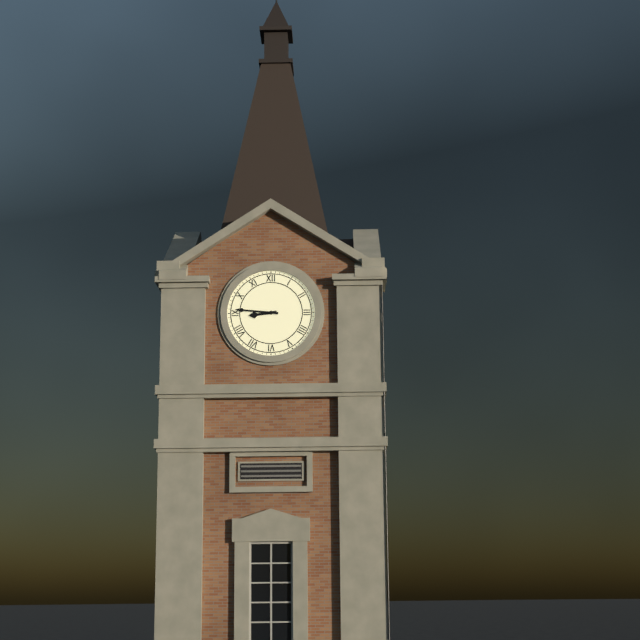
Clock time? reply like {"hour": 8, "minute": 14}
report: {"hour": 8, "minute": 46}
